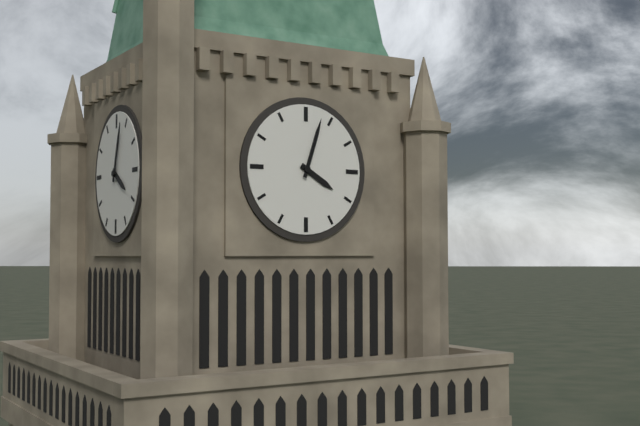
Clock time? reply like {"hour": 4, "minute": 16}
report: {"hour": 4, "minute": 3}
